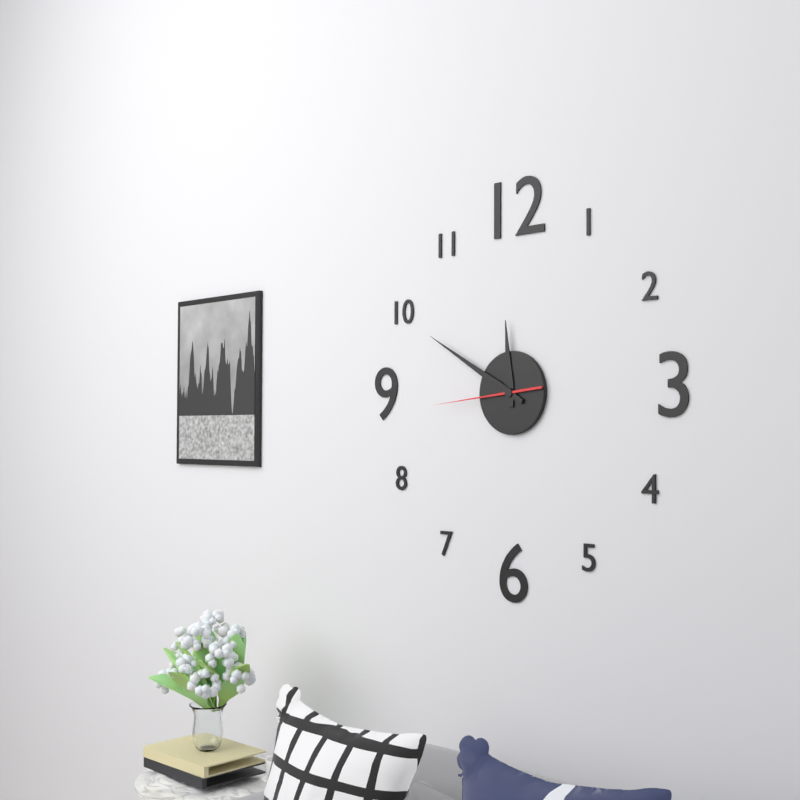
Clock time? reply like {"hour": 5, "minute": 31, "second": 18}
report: {"hour": 11, "minute": 50, "second": 44}
